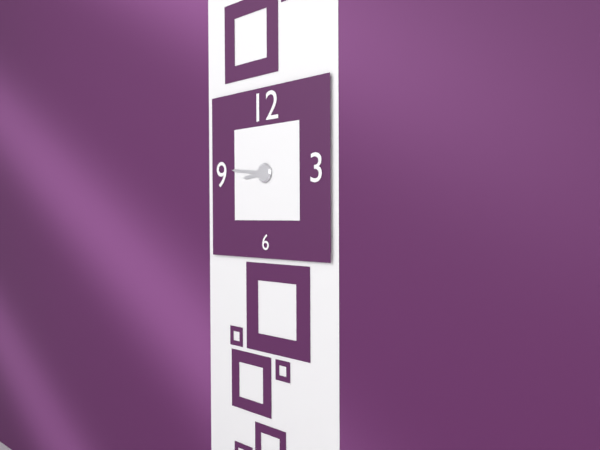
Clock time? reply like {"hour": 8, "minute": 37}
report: {"hour": 8, "minute": 46}
